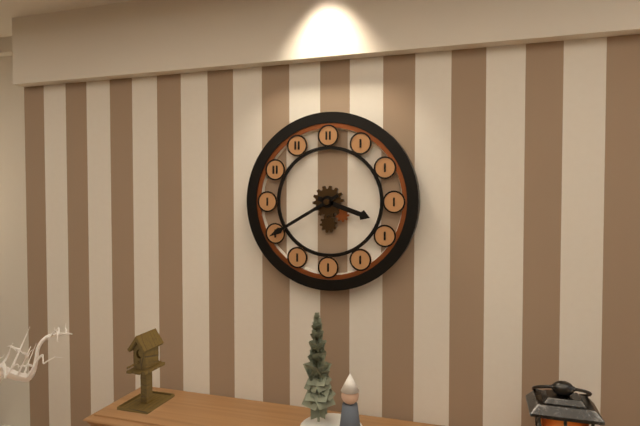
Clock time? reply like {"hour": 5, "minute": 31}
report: {"hour": 3, "minute": 40}
